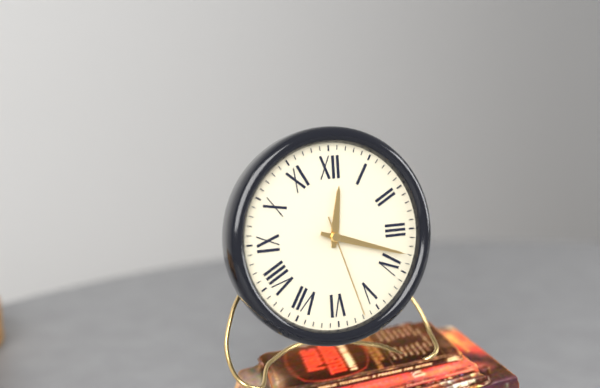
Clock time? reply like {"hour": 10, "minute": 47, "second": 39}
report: {"hour": 12, "minute": 18, "second": 27}
